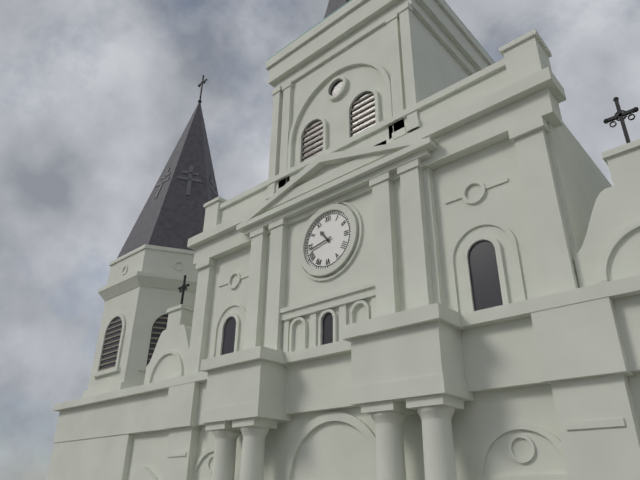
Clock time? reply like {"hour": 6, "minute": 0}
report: {"hour": 10, "minute": 43}
